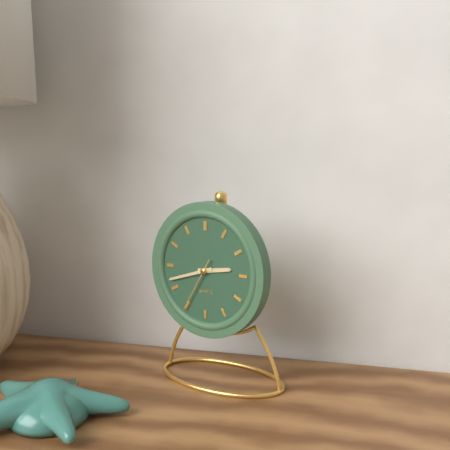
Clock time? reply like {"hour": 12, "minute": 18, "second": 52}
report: {"hour": 2, "minute": 42, "second": 35}
